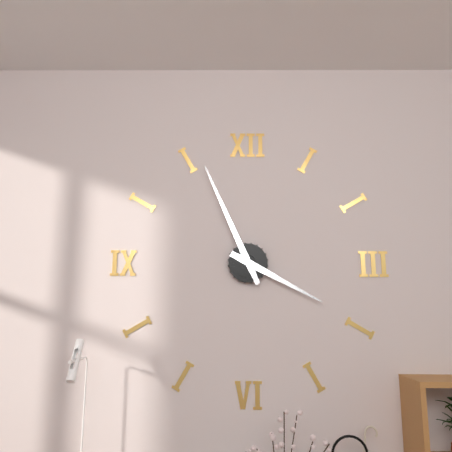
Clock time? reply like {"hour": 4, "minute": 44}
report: {"hour": 3, "minute": 56}
